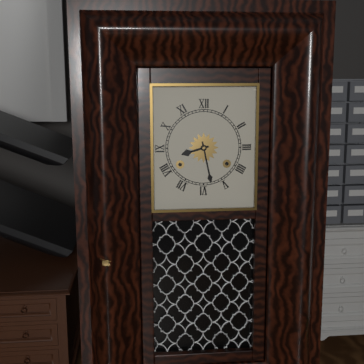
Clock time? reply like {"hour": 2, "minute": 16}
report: {"hour": 8, "minute": 28}
